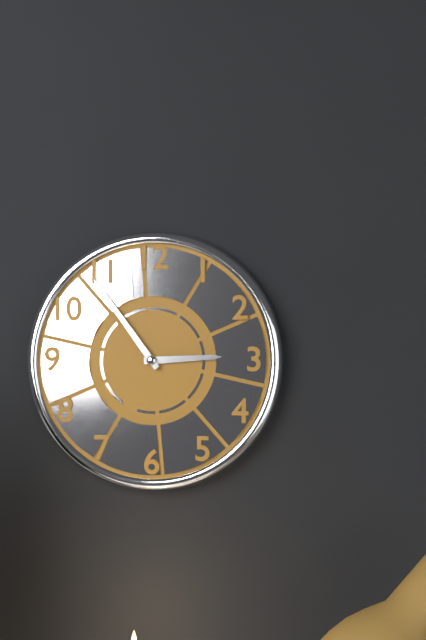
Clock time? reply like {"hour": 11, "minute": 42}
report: {"hour": 2, "minute": 54}
